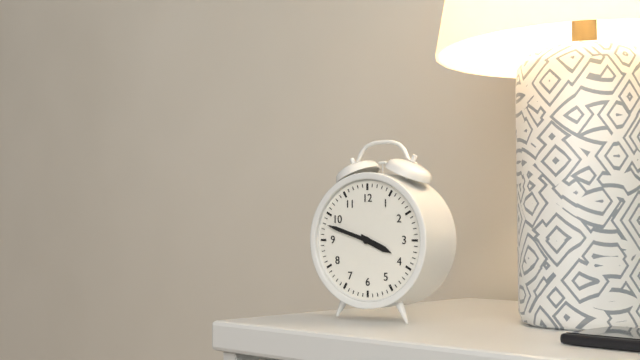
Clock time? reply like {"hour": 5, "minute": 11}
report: {"hour": 3, "minute": 48}
